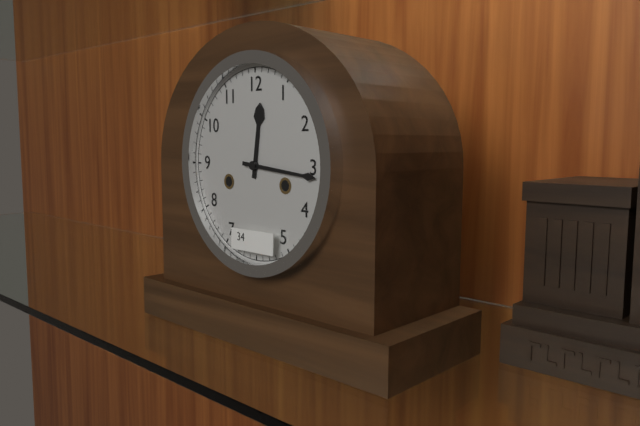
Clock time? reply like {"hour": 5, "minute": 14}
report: {"hour": 12, "minute": 16}
